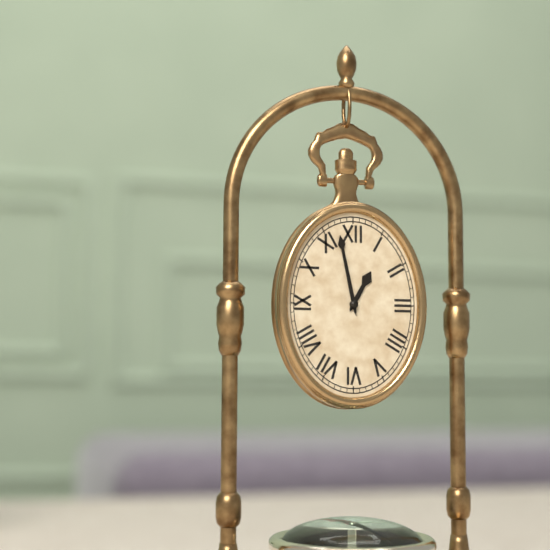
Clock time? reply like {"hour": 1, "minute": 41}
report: {"hour": 12, "minute": 58}
